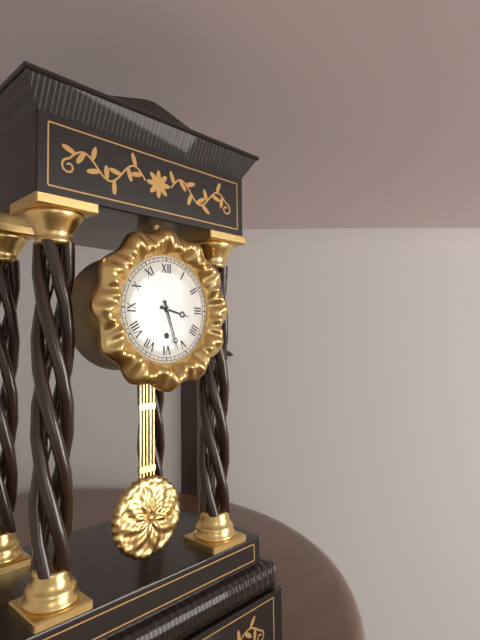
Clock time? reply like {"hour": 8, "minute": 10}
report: {"hour": 3, "minute": 27}
